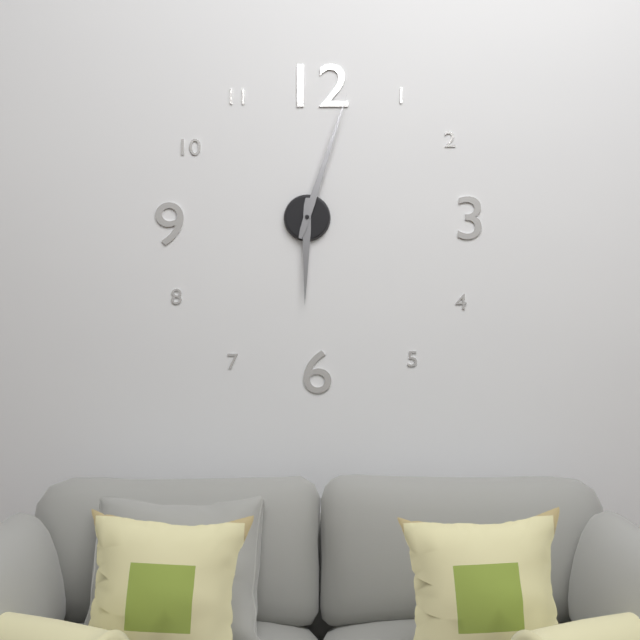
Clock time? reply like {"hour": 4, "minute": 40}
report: {"hour": 6, "minute": 3}
